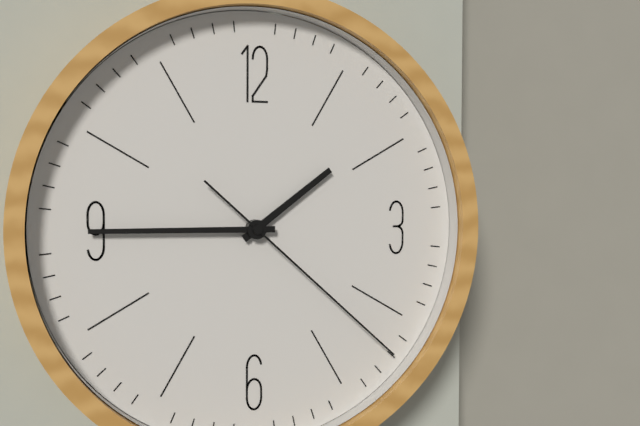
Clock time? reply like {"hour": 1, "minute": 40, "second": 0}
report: {"hour": 1, "minute": 45, "second": 22}
